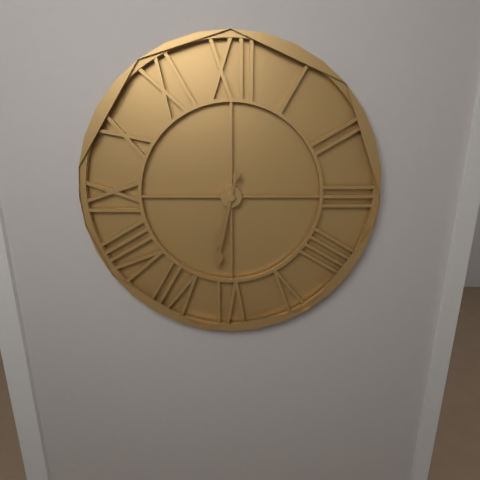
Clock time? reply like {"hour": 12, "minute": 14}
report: {"hour": 6, "minute": 32}
